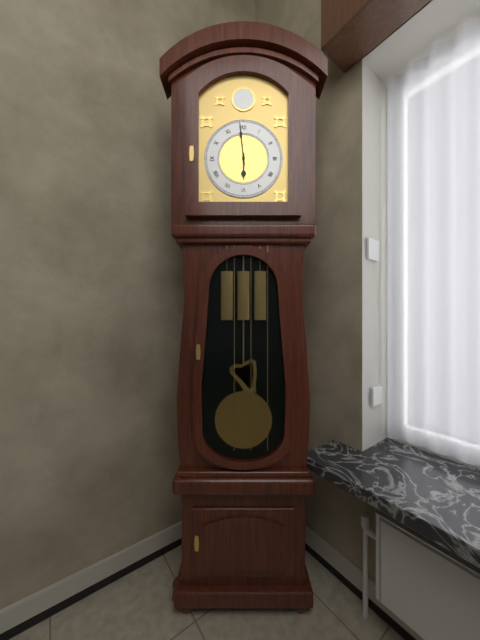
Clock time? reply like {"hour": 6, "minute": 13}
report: {"hour": 5, "minute": 59}
